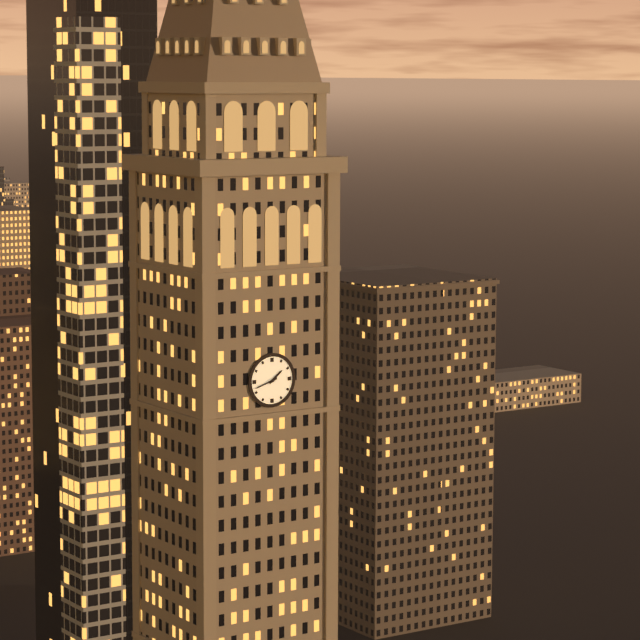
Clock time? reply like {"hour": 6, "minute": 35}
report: {"hour": 1, "minute": 42}
